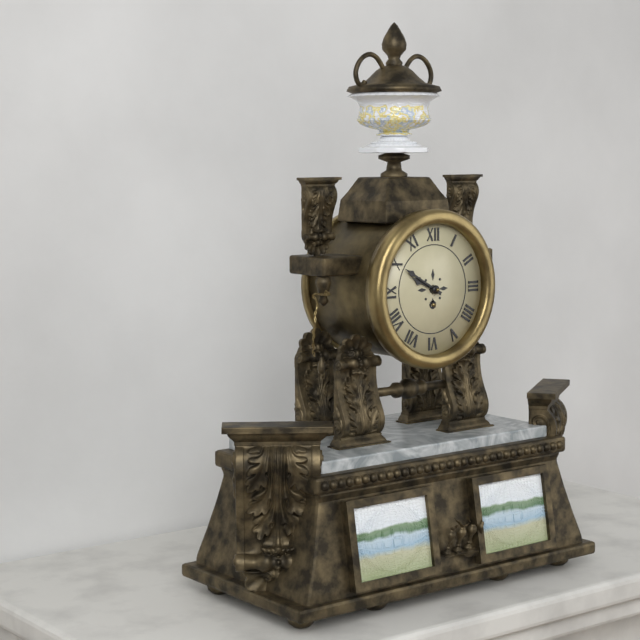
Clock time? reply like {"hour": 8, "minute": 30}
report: {"hour": 9, "minute": 50}
